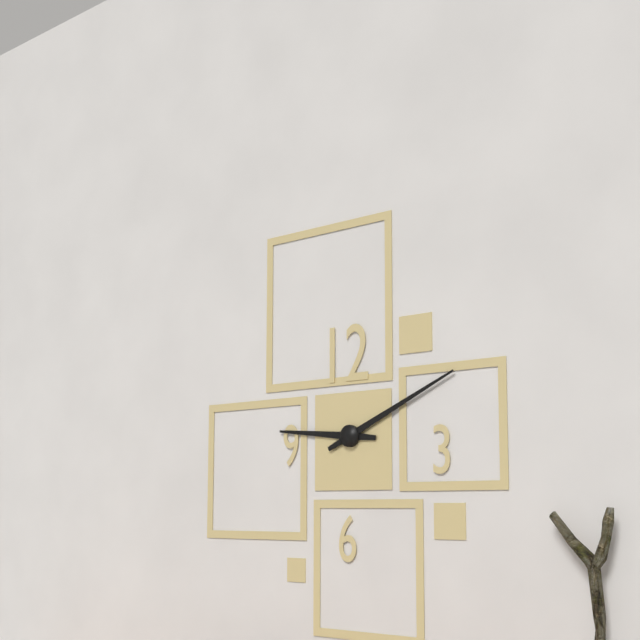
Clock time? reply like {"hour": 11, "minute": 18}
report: {"hour": 9, "minute": 11}
